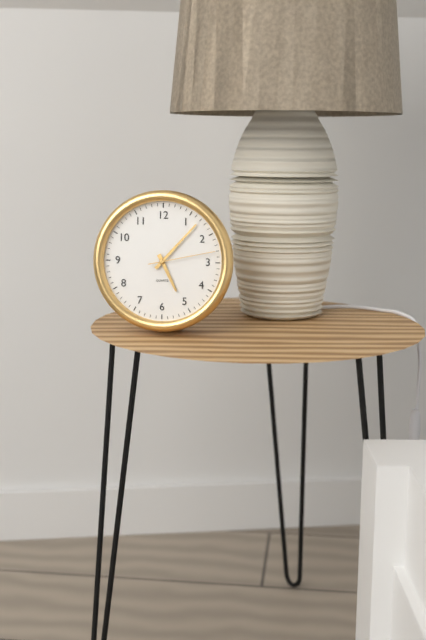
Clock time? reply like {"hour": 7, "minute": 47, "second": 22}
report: {"hour": 5, "minute": 7, "second": 13}
